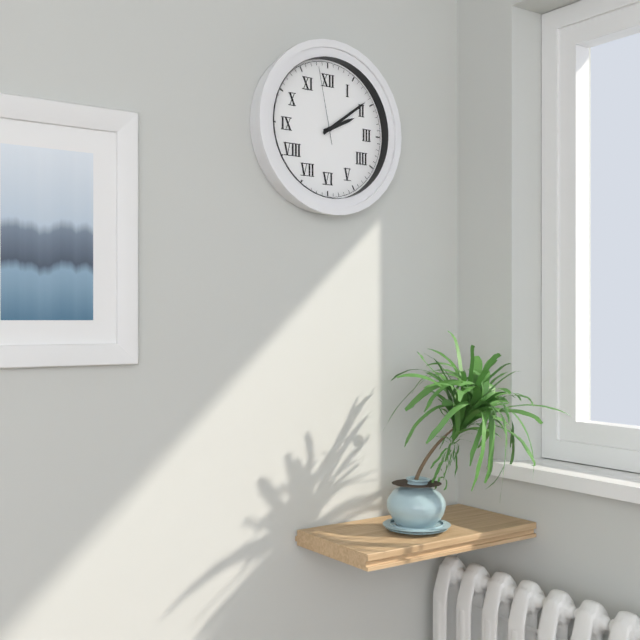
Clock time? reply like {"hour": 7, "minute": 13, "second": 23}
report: {"hour": 2, "minute": 9, "second": 58}
